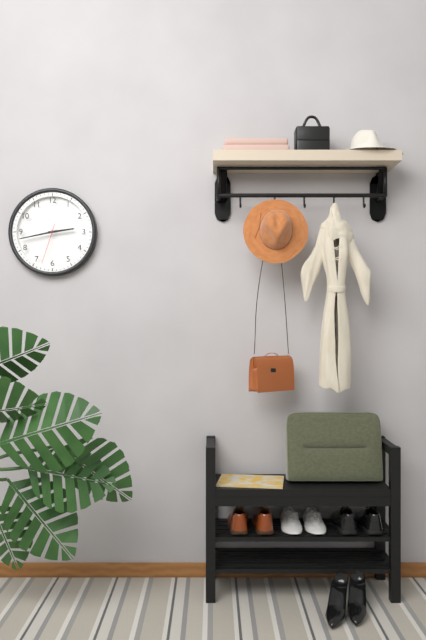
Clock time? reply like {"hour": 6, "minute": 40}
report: {"hour": 2, "minute": 43}
